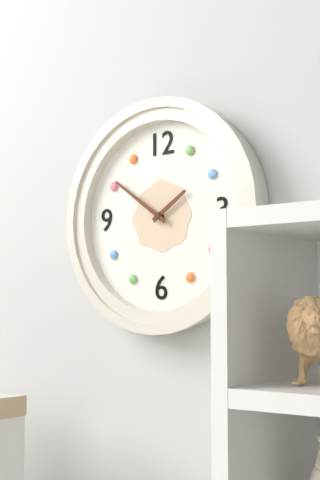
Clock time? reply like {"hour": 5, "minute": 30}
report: {"hour": 1, "minute": 51}
